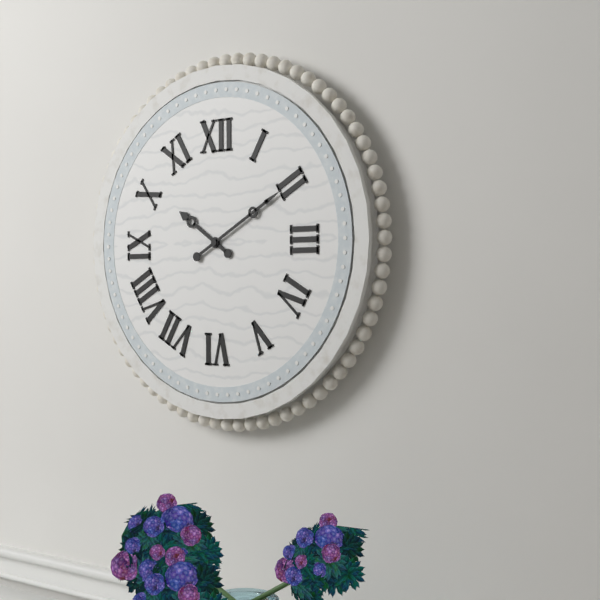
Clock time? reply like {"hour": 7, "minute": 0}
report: {"hour": 10, "minute": 10}
